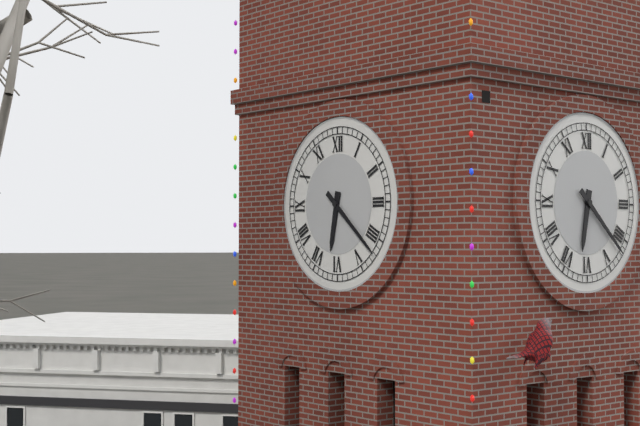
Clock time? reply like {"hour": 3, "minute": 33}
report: {"hour": 6, "minute": 22}
